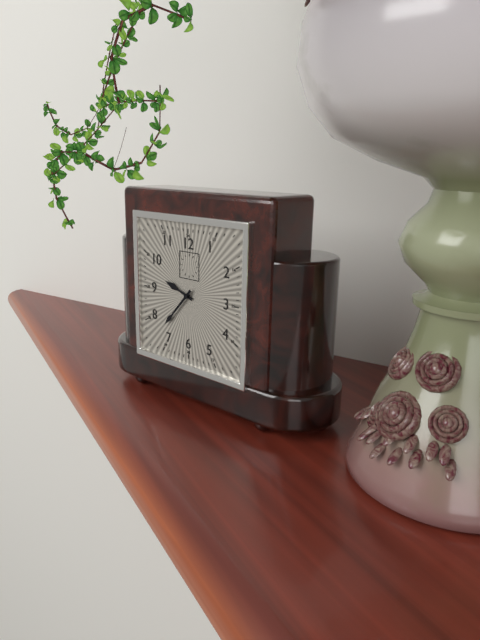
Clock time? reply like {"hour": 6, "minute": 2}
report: {"hour": 9, "minute": 37}
